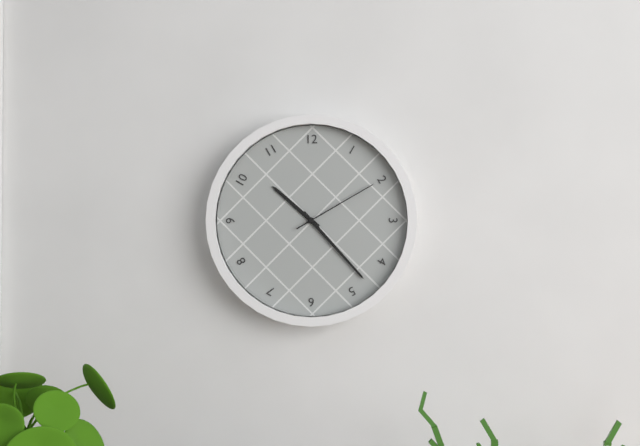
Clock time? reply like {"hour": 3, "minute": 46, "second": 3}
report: {"hour": 10, "minute": 23, "second": 10}
